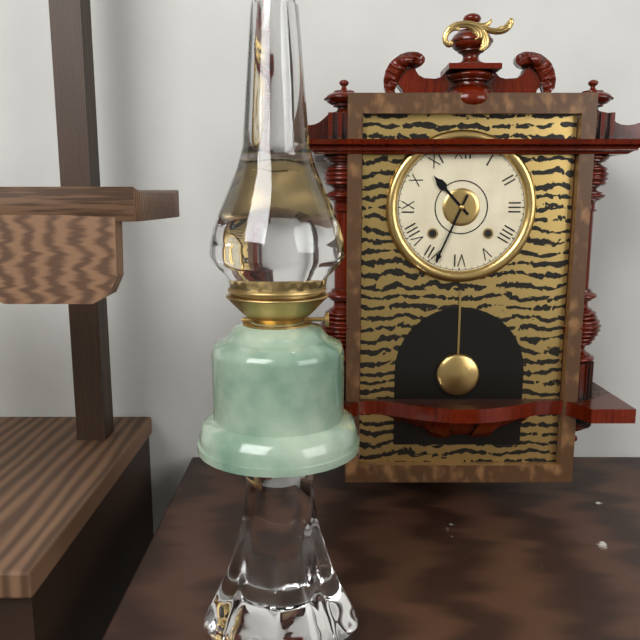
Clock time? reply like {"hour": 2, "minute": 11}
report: {"hour": 10, "minute": 34}
